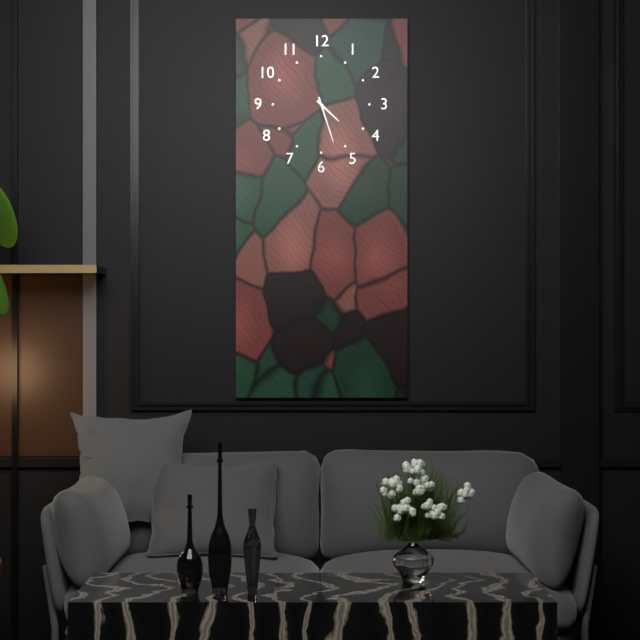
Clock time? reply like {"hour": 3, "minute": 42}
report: {"hour": 4, "minute": 27}
